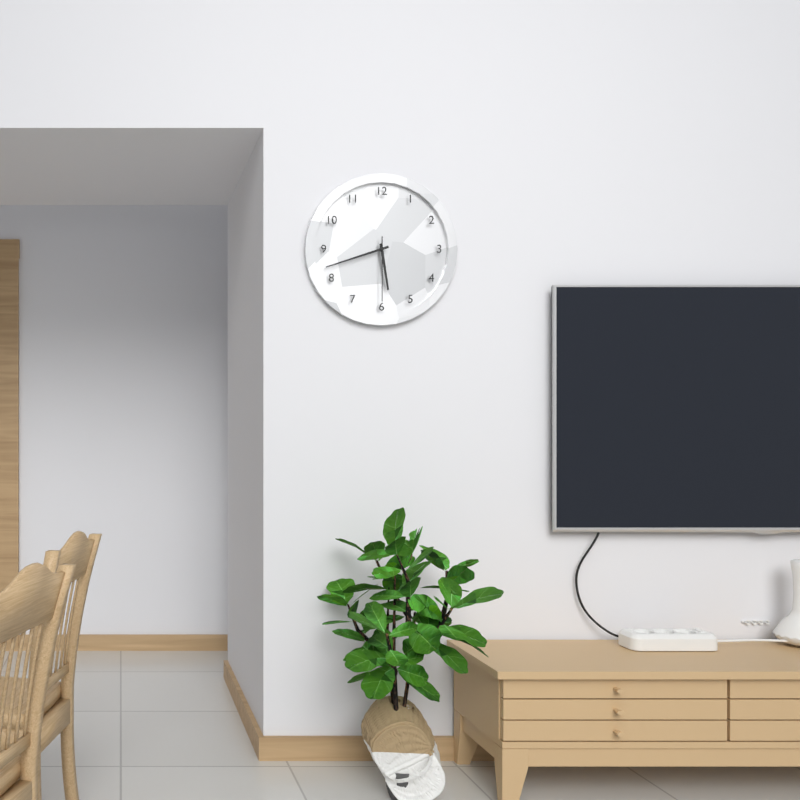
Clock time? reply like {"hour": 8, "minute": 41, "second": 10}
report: {"hour": 5, "minute": 42, "second": 30}
